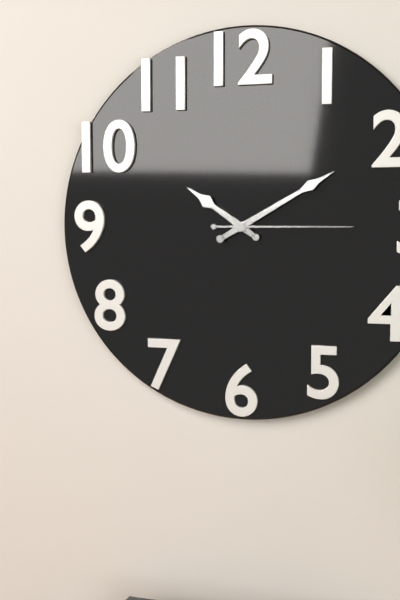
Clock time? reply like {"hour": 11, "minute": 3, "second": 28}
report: {"hour": 10, "minute": 10, "second": 15}
